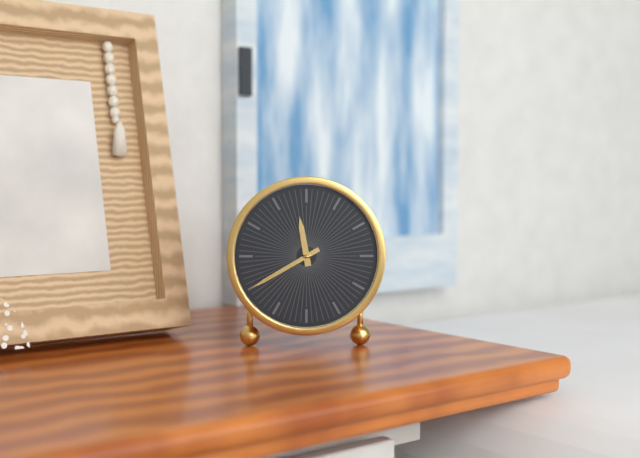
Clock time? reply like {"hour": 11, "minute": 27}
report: {"hour": 11, "minute": 40}
